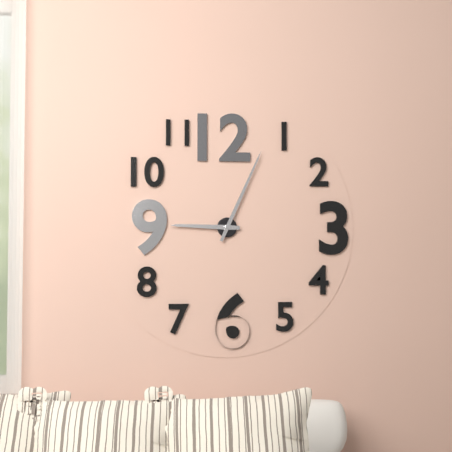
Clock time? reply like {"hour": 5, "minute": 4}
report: {"hour": 9, "minute": 4}
